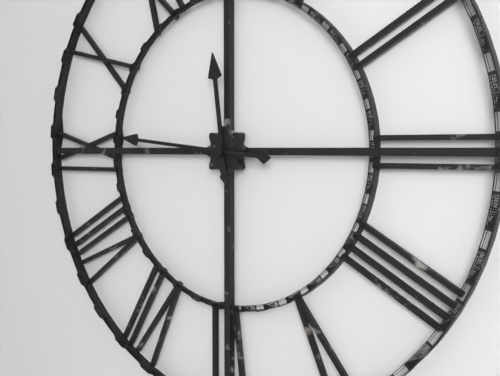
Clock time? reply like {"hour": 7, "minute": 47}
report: {"hour": 11, "minute": 46}
